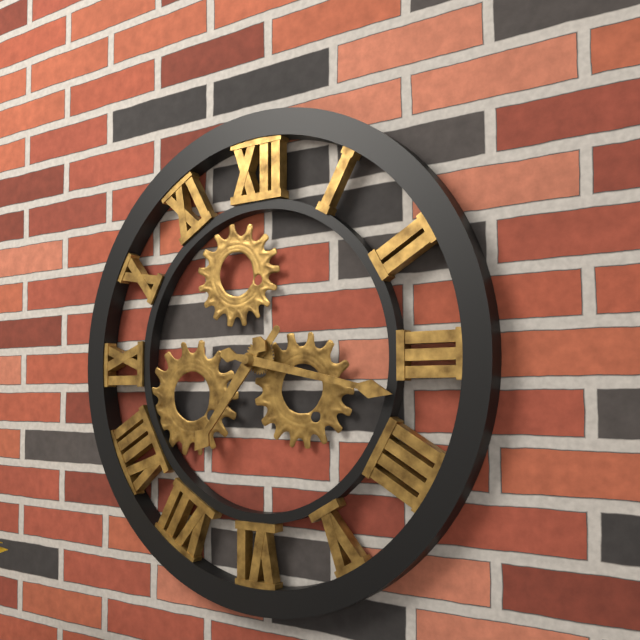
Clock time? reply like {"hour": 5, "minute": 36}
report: {"hour": 7, "minute": 17}
